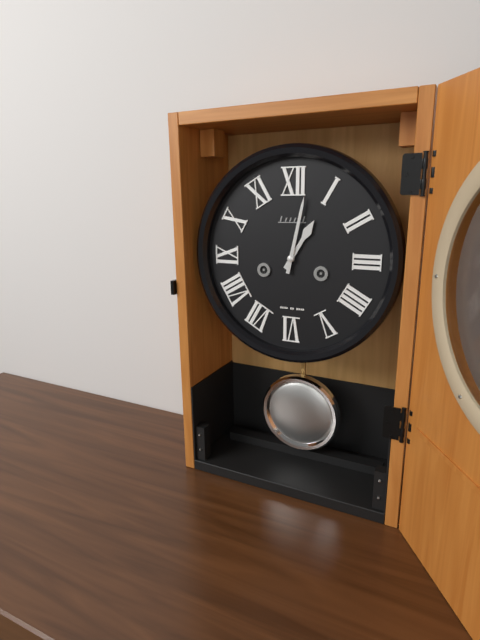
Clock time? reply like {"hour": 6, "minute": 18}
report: {"hour": 1, "minute": 2}
